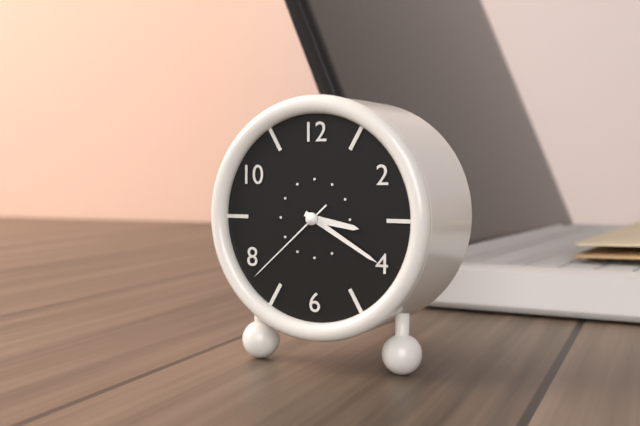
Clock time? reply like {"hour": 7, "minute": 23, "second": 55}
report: {"hour": 3, "minute": 20, "second": 38}
